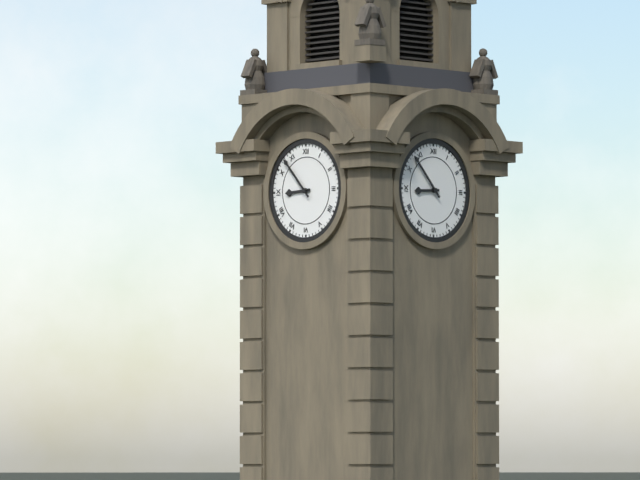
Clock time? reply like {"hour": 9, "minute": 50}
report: {"hour": 8, "minute": 53}
